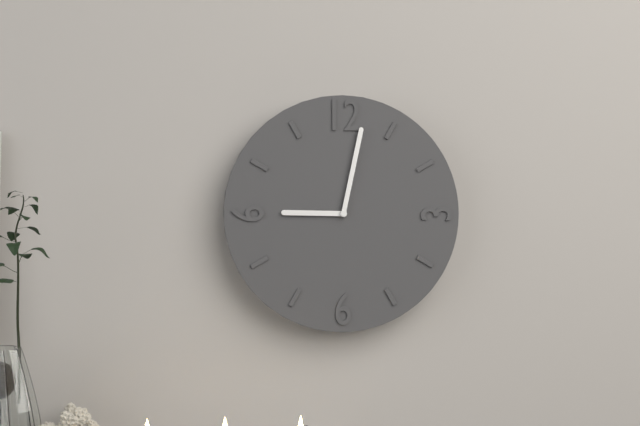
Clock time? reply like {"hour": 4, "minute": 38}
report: {"hour": 9, "minute": 2}
